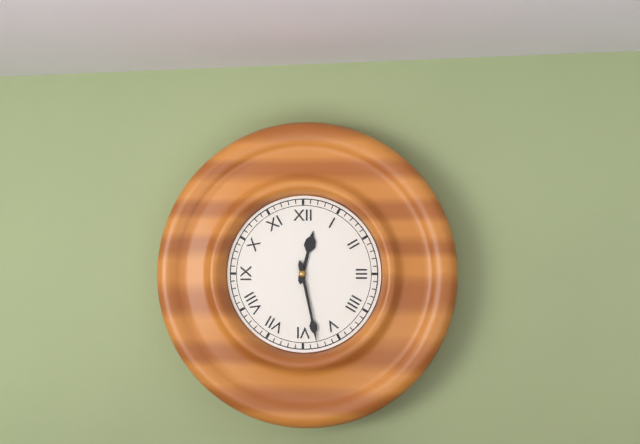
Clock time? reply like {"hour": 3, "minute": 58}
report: {"hour": 12, "minute": 28}
